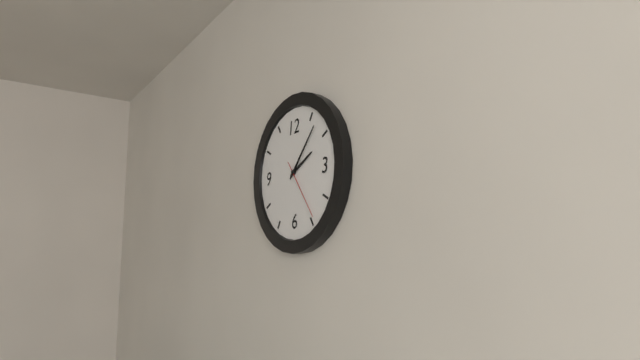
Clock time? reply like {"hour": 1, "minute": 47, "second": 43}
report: {"hour": 2, "minute": 7, "second": 24}
